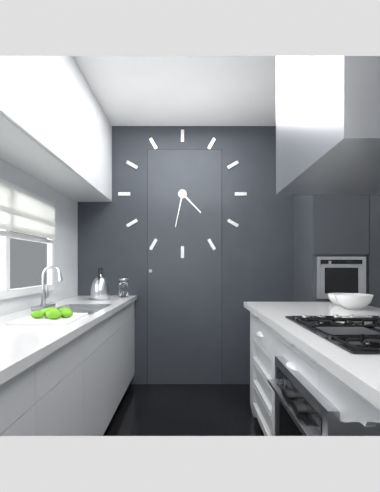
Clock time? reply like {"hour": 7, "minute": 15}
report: {"hour": 4, "minute": 32}
